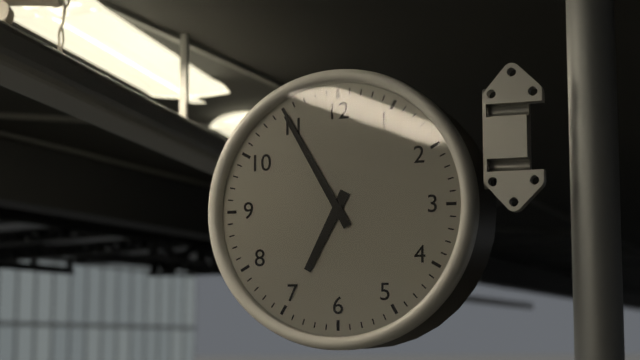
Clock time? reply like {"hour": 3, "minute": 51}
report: {"hour": 6, "minute": 55}
